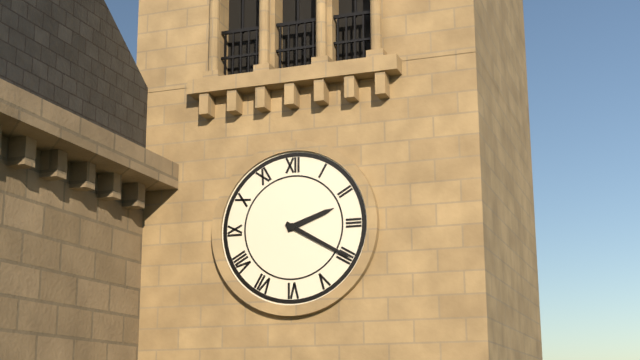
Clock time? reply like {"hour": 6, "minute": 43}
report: {"hour": 2, "minute": 20}
